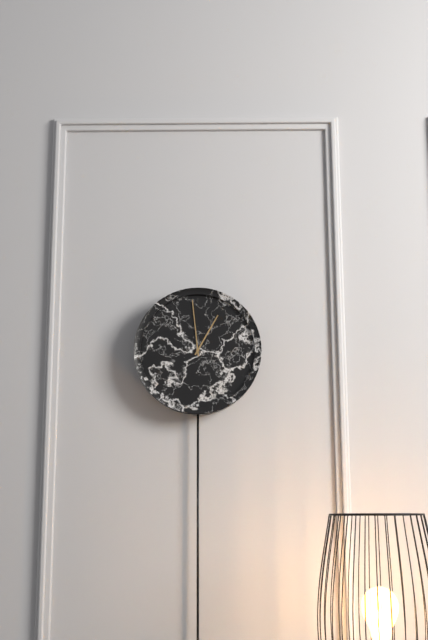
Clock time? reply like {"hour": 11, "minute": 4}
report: {"hour": 12, "minute": 59}
